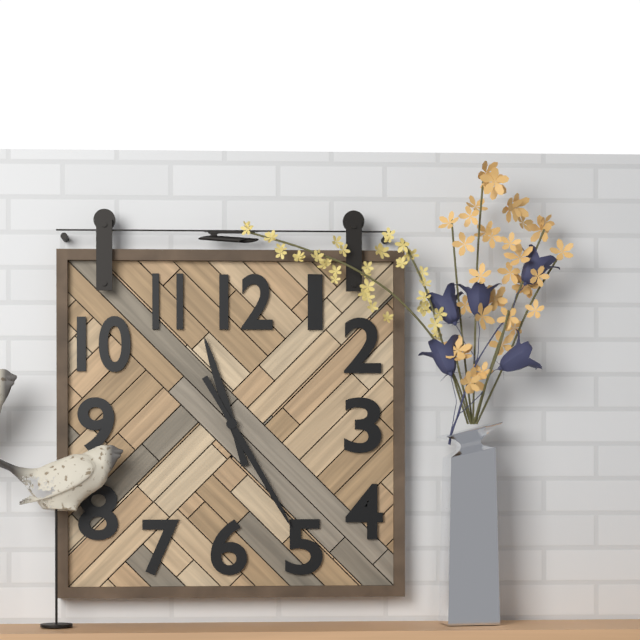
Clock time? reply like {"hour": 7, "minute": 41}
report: {"hour": 11, "minute": 25}
